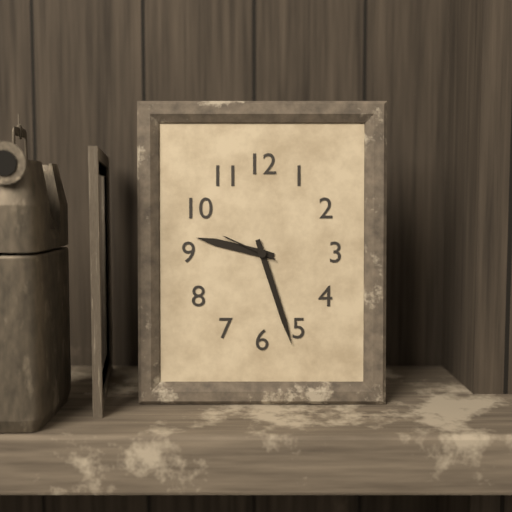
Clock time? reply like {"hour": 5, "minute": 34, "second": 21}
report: {"hour": 9, "minute": 27, "second": 49}
